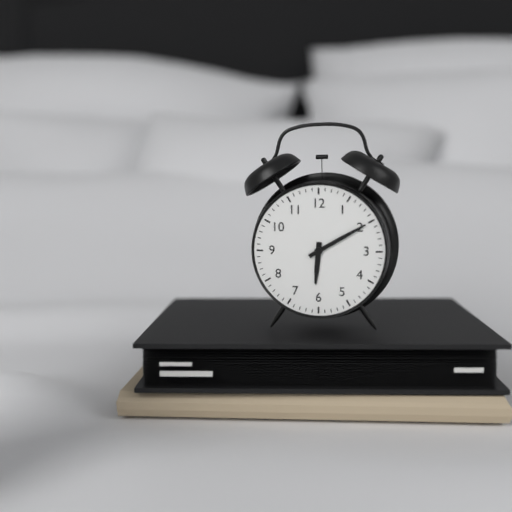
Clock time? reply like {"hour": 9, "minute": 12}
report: {"hour": 6, "minute": 10}
